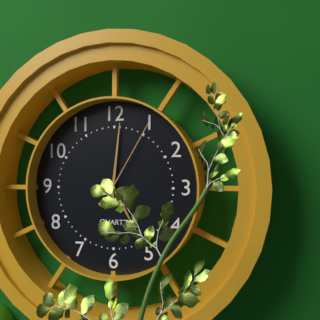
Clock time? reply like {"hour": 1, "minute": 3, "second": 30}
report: {"hour": 5, "minute": 1, "second": 5}
